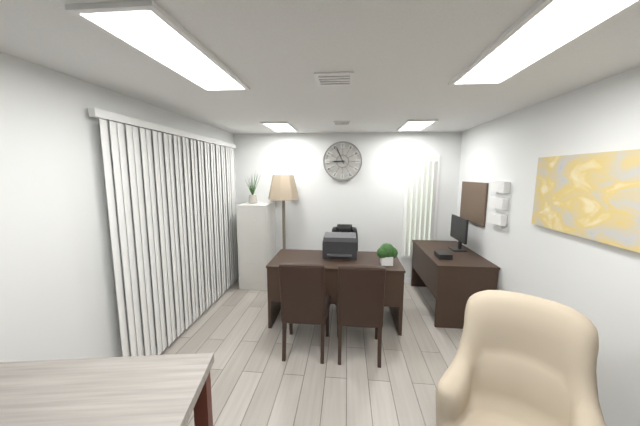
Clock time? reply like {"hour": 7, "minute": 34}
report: {"hour": 8, "minute": 56}
